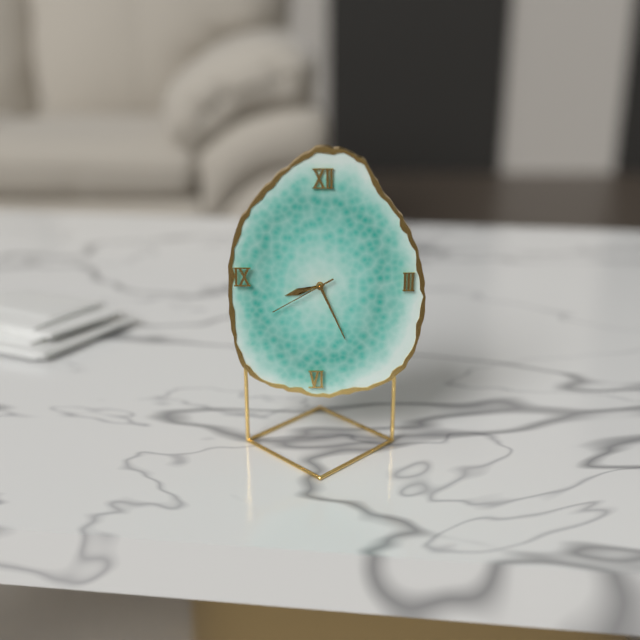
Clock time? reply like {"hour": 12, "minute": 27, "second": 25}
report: {"hour": 8, "minute": 26, "second": 40}
